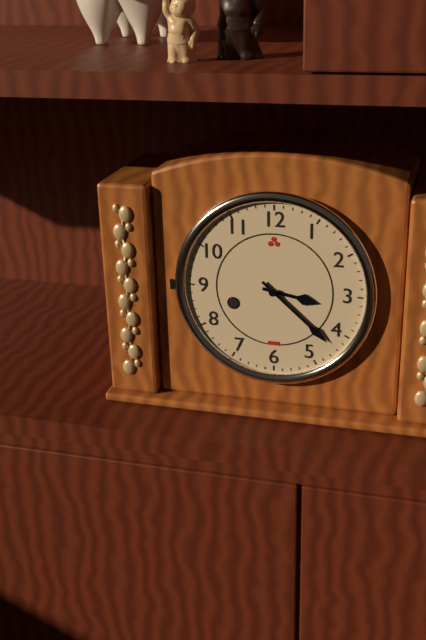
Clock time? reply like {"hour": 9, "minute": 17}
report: {"hour": 3, "minute": 22}
